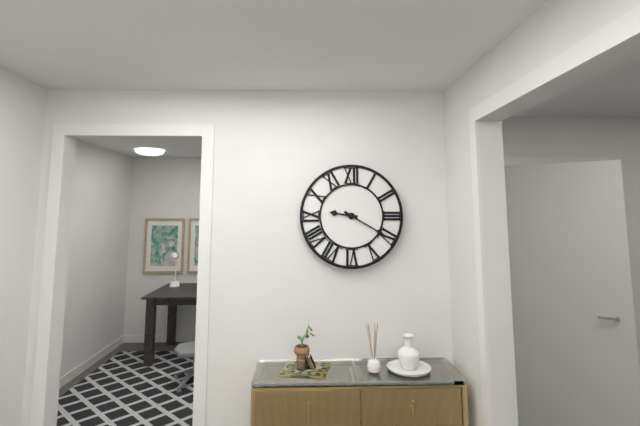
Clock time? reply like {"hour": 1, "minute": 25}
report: {"hour": 9, "minute": 20}
